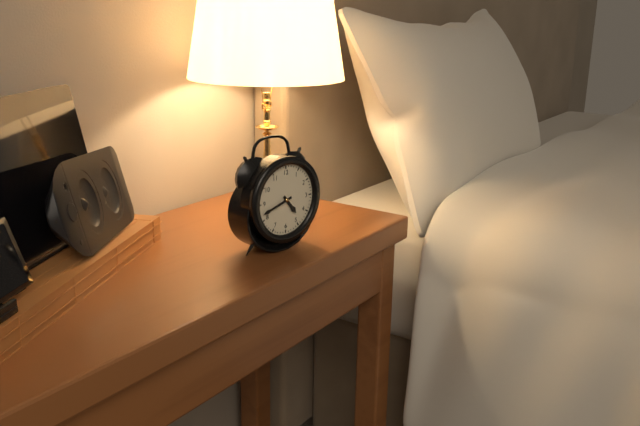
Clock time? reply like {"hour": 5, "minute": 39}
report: {"hour": 4, "minute": 42}
